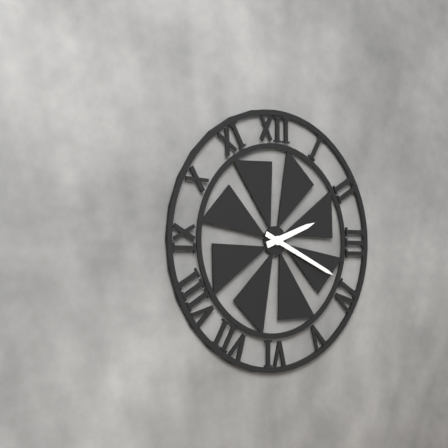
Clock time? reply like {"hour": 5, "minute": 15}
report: {"hour": 2, "minute": 19}
